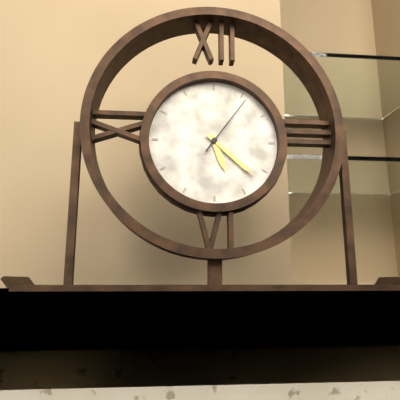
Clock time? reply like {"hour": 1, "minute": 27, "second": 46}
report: {"hour": 5, "minute": 22, "second": 6}
